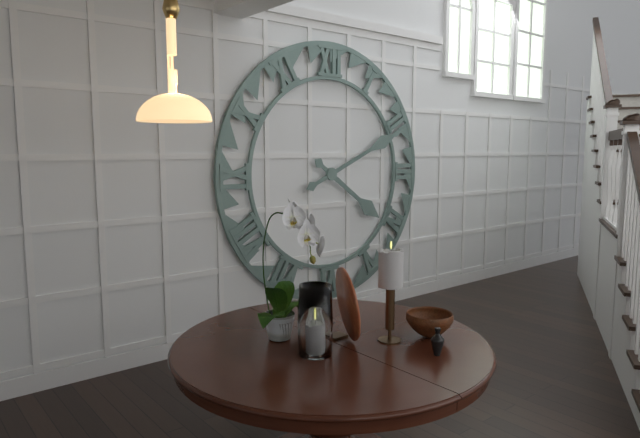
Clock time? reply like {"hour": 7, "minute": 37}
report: {"hour": 4, "minute": 11}
